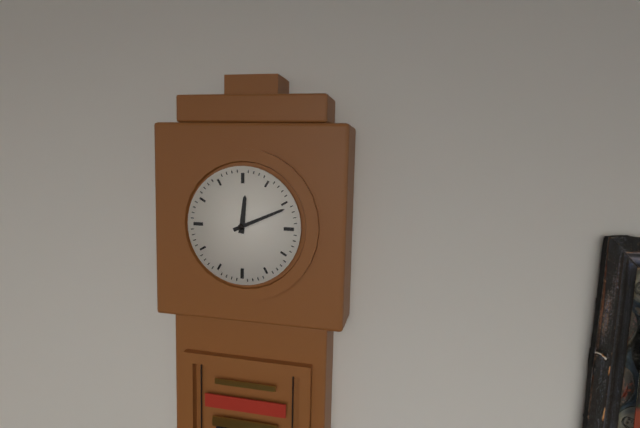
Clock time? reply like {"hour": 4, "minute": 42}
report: {"hour": 12, "minute": 11}
